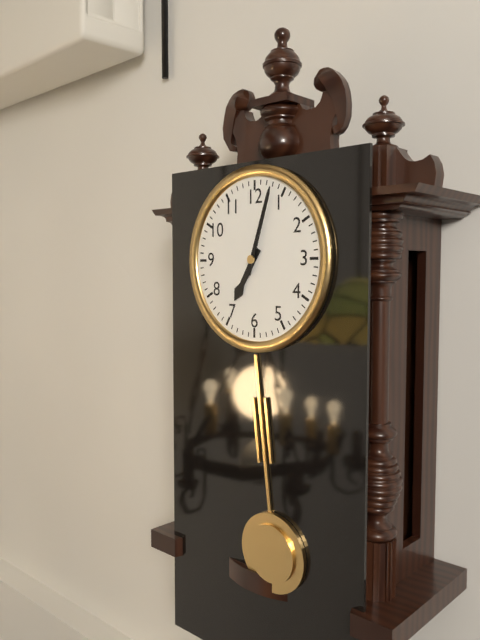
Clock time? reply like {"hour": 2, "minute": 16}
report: {"hour": 7, "minute": 3}
